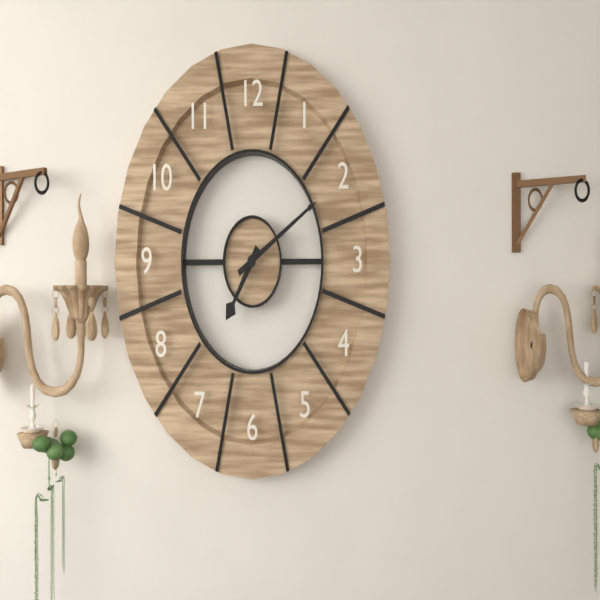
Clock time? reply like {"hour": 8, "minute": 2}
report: {"hour": 7, "minute": 10}
